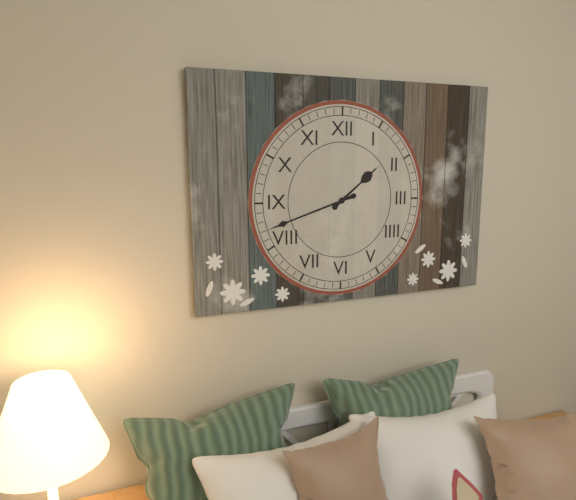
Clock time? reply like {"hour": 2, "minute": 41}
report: {"hour": 1, "minute": 42}
